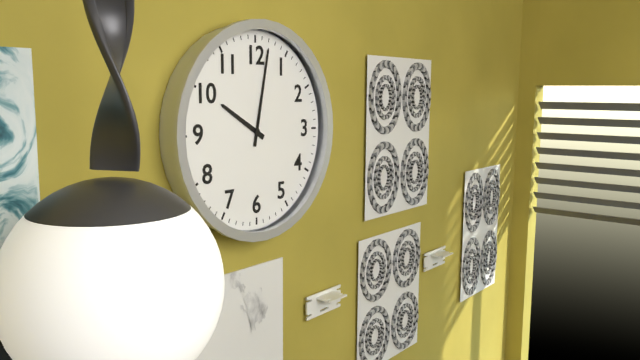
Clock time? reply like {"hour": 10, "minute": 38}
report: {"hour": 10, "minute": 2}
